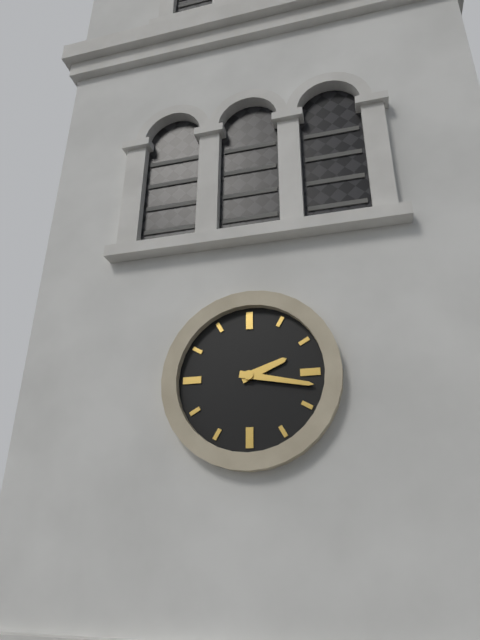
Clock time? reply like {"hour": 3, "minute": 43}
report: {"hour": 2, "minute": 17}
